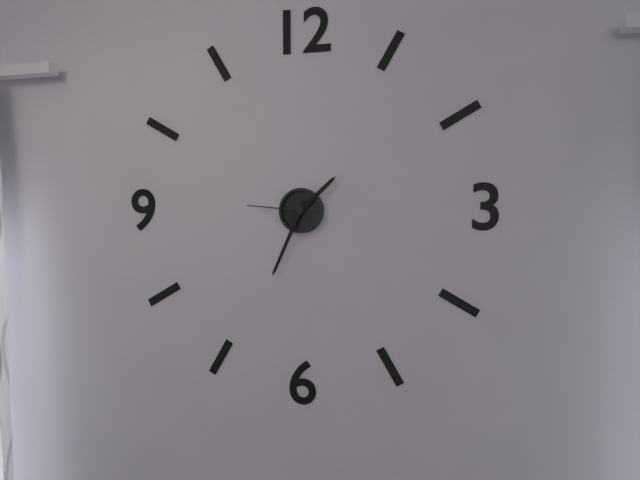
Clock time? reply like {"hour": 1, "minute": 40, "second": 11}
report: {"hour": 1, "minute": 34, "second": 46}
